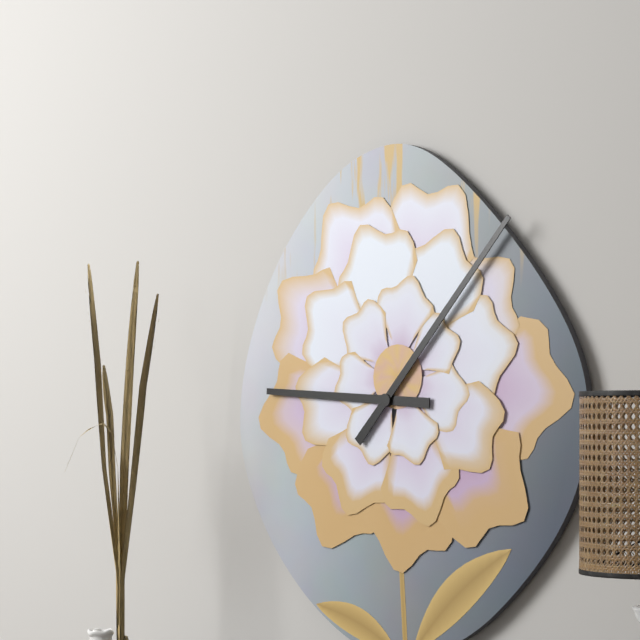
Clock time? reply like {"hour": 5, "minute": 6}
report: {"hour": 9, "minute": 7}
